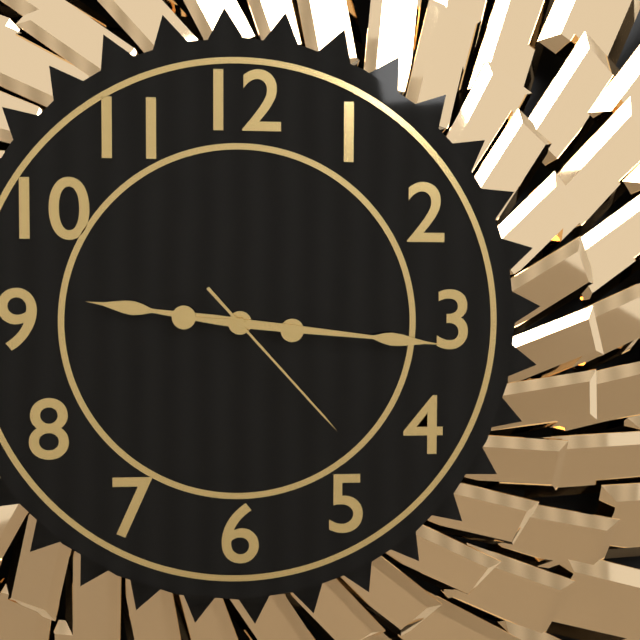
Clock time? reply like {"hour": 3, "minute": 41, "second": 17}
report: {"hour": 9, "minute": 16, "second": 23}
